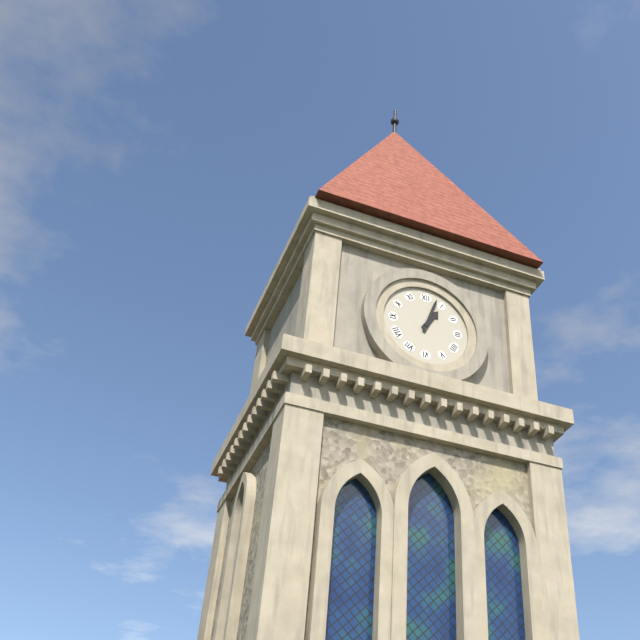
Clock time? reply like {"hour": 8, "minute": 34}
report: {"hour": 1, "minute": 3}
